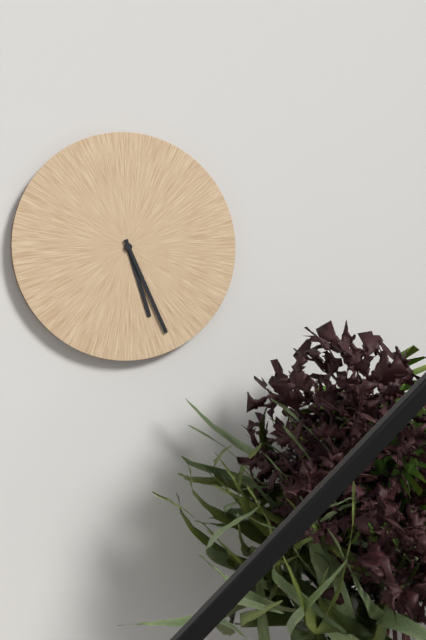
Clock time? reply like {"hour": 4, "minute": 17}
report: {"hour": 5, "minute": 26}
